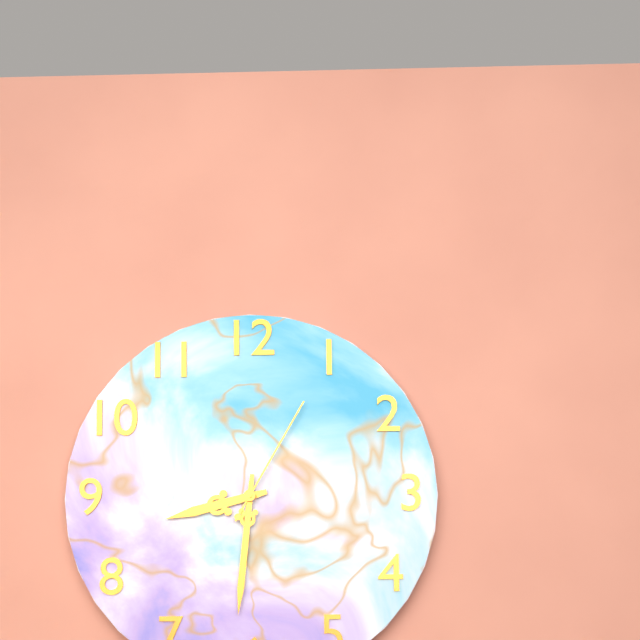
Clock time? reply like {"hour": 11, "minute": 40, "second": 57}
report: {"hour": 8, "minute": 31, "second": 5}
